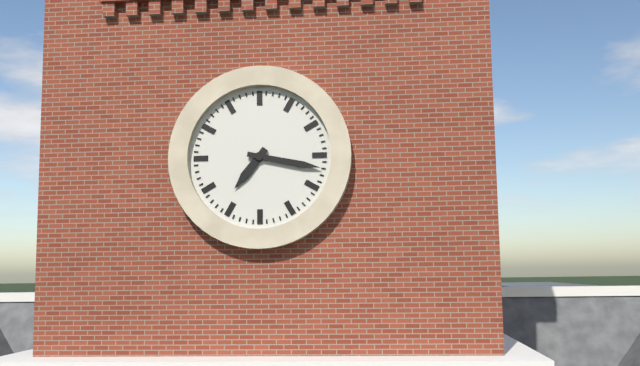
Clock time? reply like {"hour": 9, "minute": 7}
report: {"hour": 7, "minute": 17}
